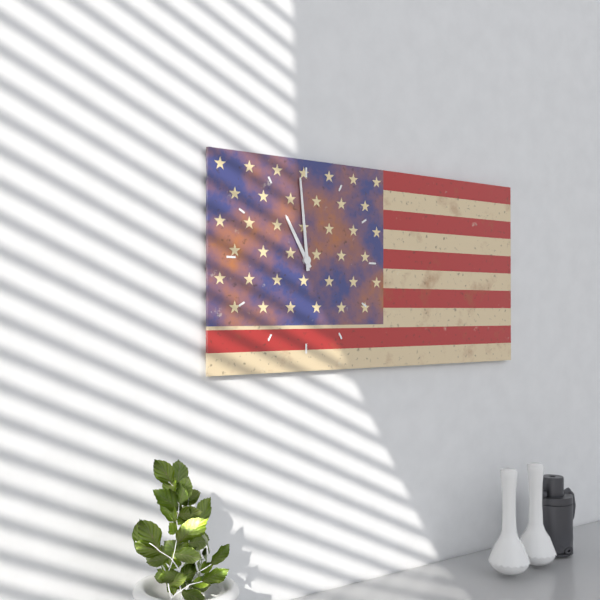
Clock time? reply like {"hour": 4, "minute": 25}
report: {"hour": 10, "minute": 59}
